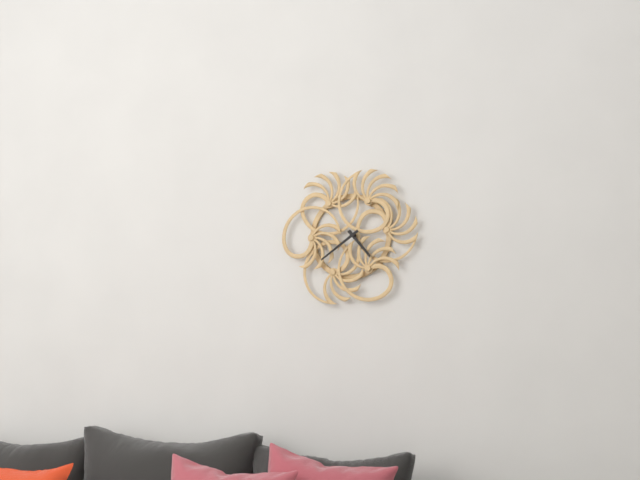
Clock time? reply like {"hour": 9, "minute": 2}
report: {"hour": 4, "minute": 39}
